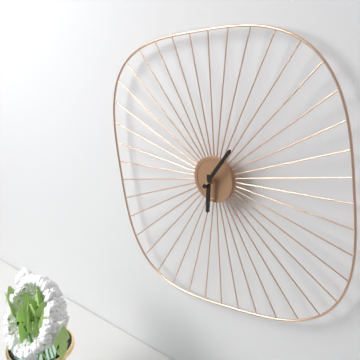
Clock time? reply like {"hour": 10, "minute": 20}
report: {"hour": 6, "minute": 6}
